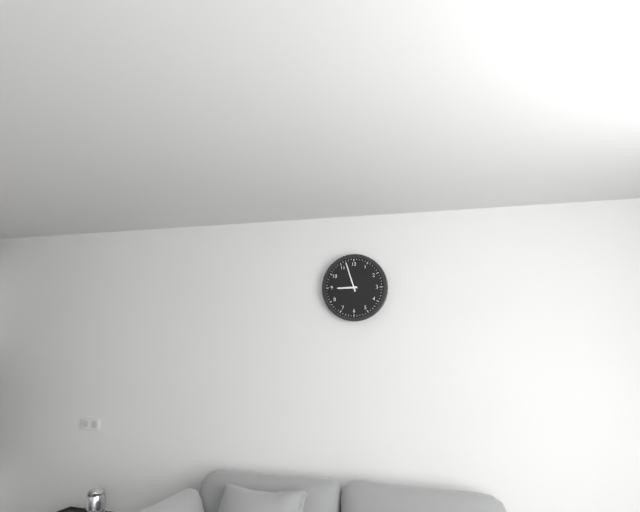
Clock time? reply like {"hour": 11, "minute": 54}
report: {"hour": 8, "minute": 57}
